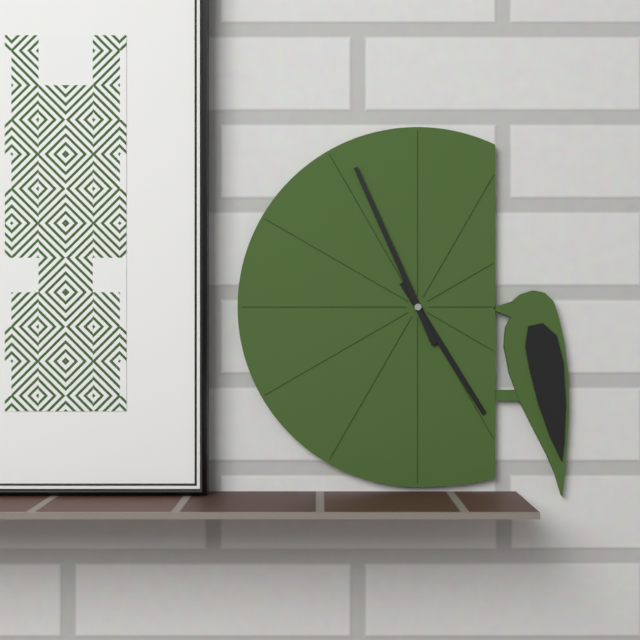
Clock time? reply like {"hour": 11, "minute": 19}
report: {"hour": 4, "minute": 56}
